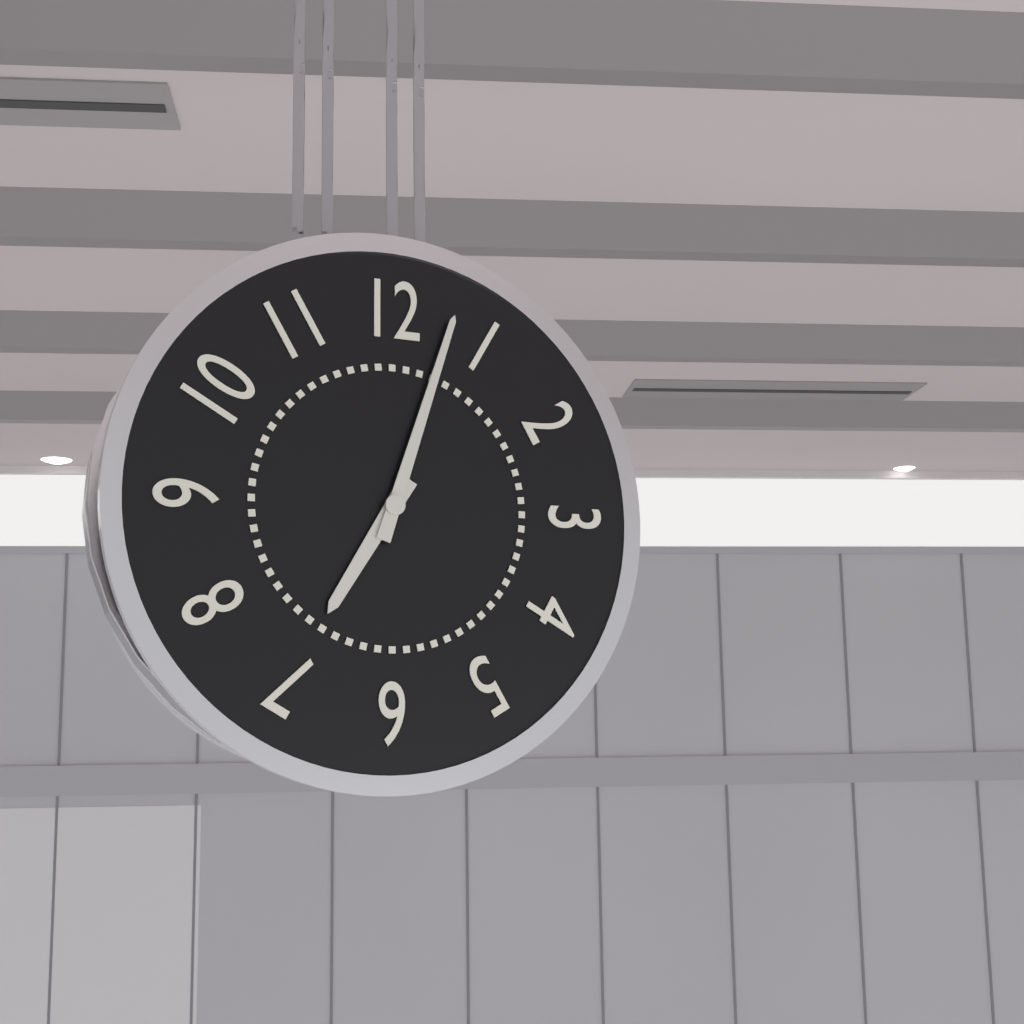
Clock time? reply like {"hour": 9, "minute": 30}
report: {"hour": 7, "minute": 3}
